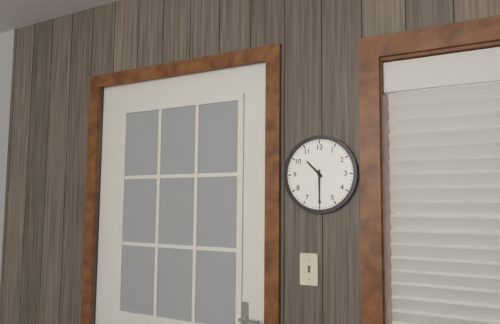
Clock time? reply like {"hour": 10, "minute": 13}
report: {"hour": 10, "minute": 30}
